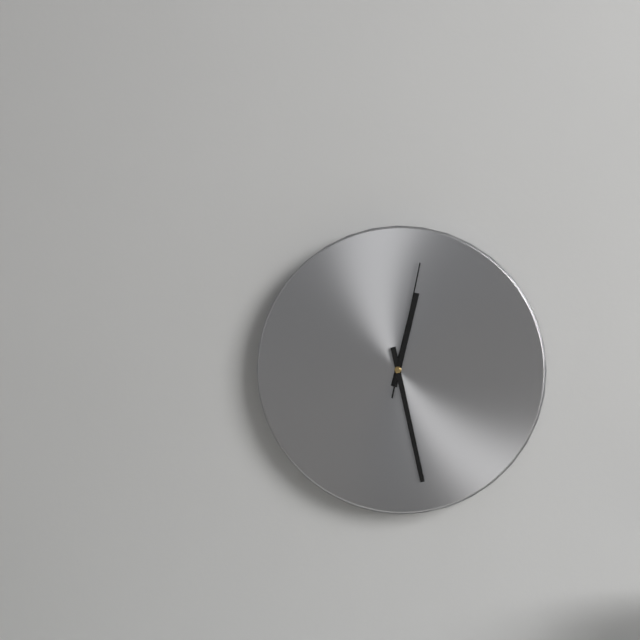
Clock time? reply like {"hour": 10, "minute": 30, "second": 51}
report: {"hour": 12, "minute": 28, "second": 2}
